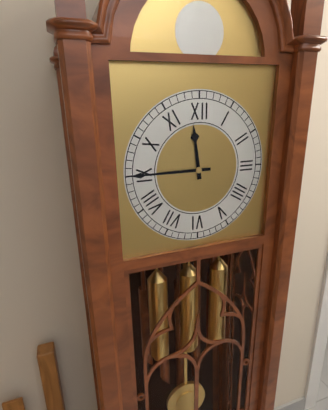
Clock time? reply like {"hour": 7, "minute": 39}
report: {"hour": 11, "minute": 45}
